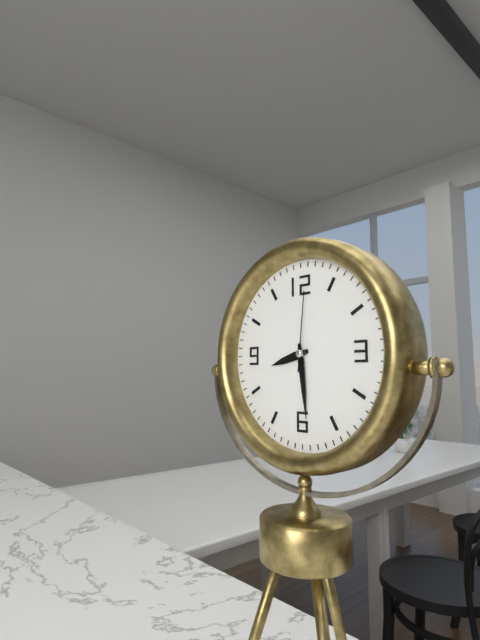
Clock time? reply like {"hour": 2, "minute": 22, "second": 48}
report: {"hour": 8, "minute": 29, "second": 1}
